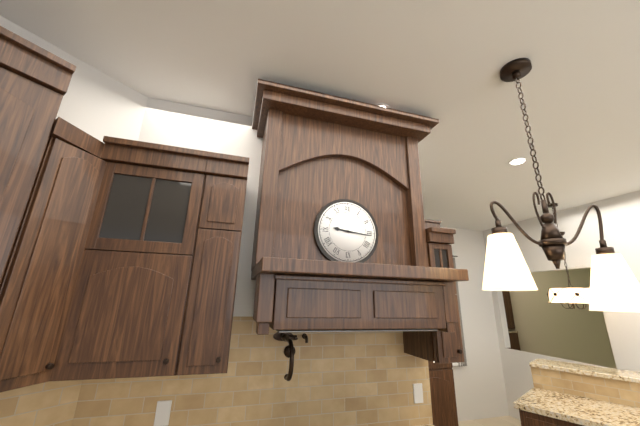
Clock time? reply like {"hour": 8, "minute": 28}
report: {"hour": 9, "minute": 16}
